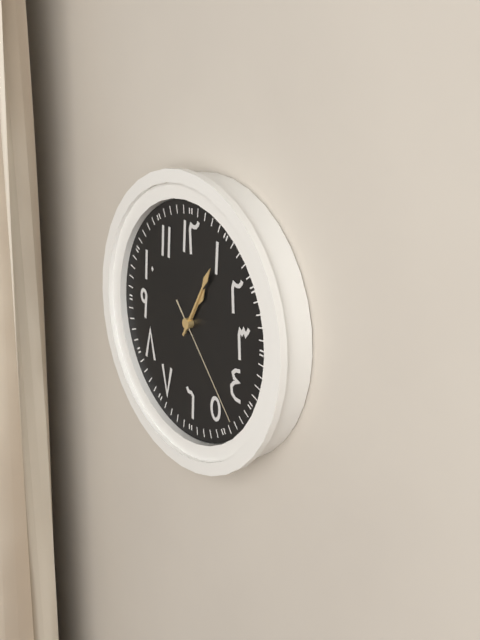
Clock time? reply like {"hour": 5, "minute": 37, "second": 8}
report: {"hour": 1, "minute": 5, "second": 23}
